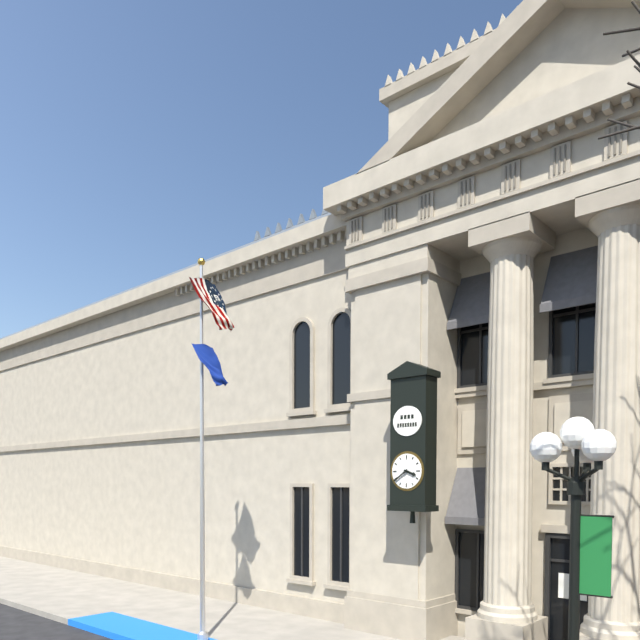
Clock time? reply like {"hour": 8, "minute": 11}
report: {"hour": 3, "minute": 39}
